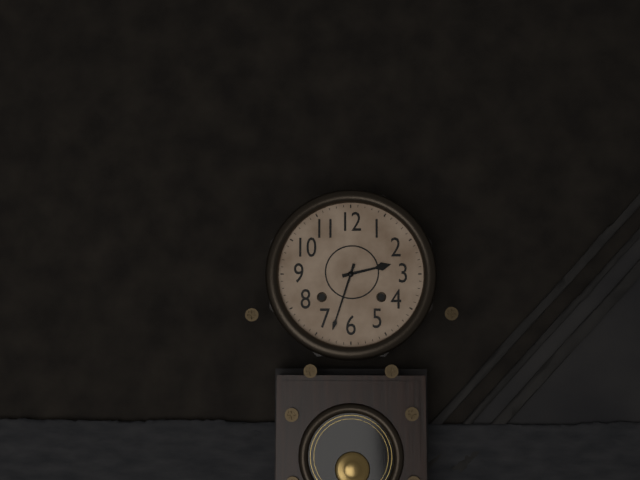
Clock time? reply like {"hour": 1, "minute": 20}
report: {"hour": 2, "minute": 33}
